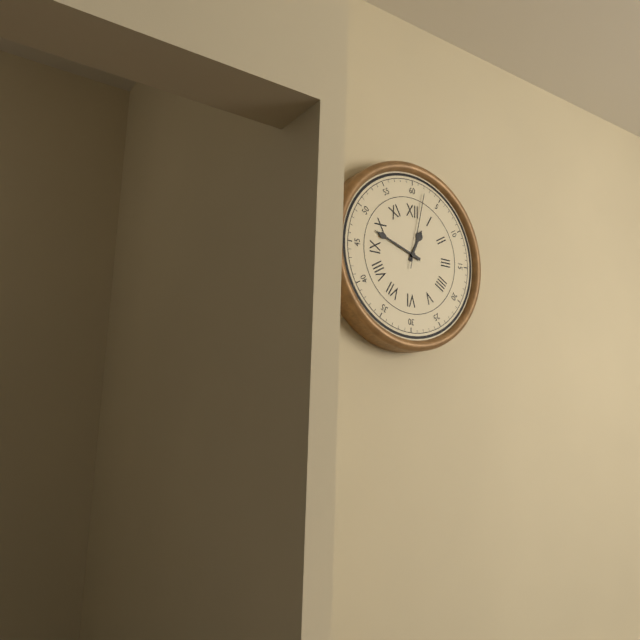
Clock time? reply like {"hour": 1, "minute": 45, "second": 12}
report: {"hour": 12, "minute": 48, "second": 2}
